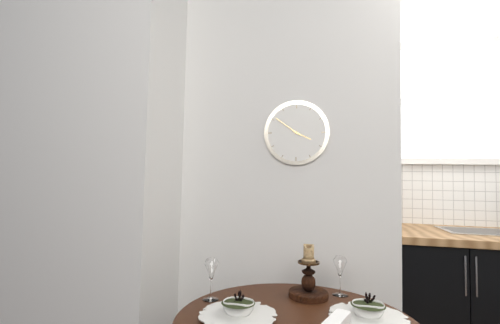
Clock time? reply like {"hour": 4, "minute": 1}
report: {"hour": 3, "minute": 51}
